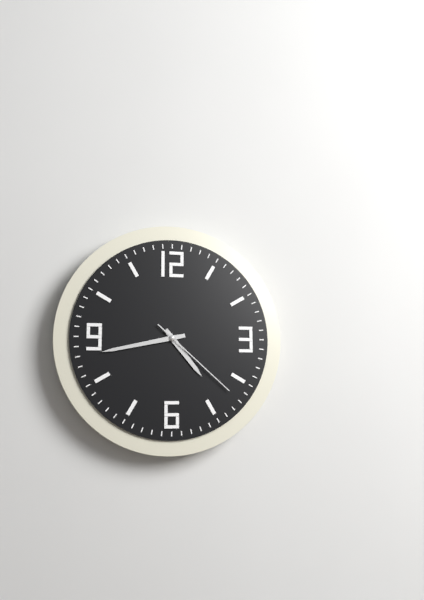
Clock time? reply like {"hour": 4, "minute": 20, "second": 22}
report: {"hour": 4, "minute": 43, "second": 22}
